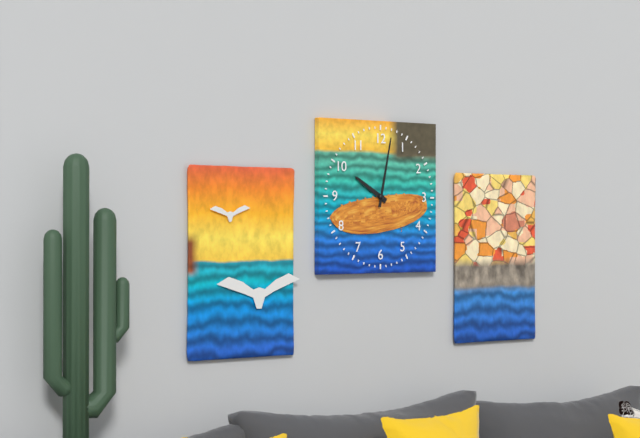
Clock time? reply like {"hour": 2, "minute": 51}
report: {"hour": 10, "minute": 2}
